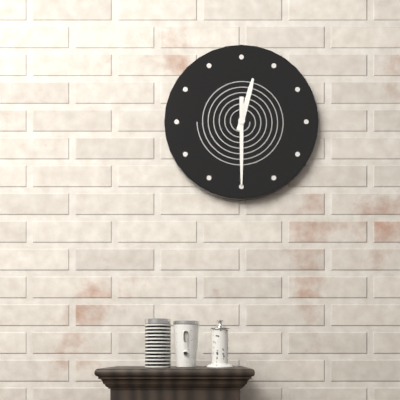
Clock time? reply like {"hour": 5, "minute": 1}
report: {"hour": 12, "minute": 30}
